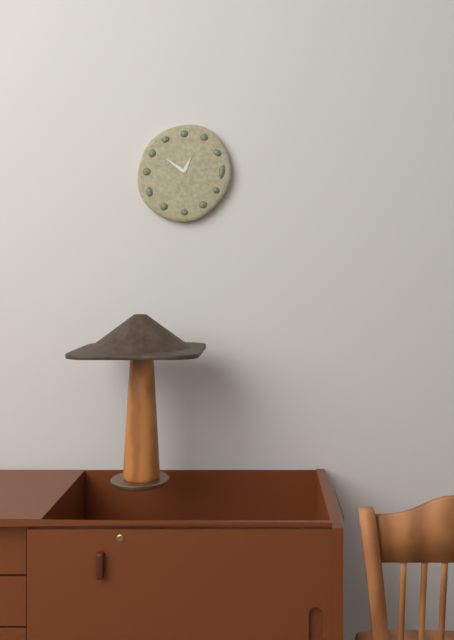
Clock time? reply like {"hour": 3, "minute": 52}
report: {"hour": 12, "minute": 51}
